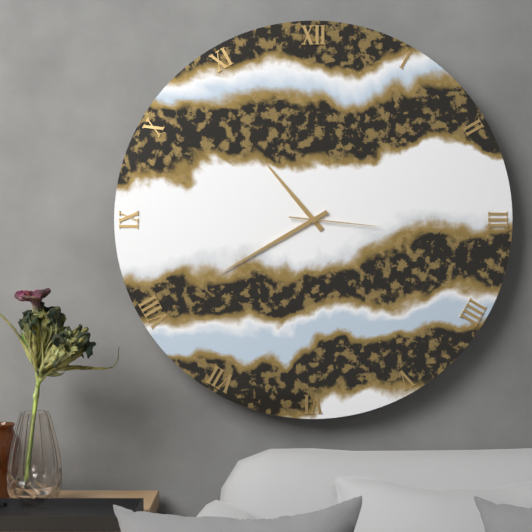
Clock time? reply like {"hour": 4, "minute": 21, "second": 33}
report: {"hour": 10, "minute": 40, "second": 16}
